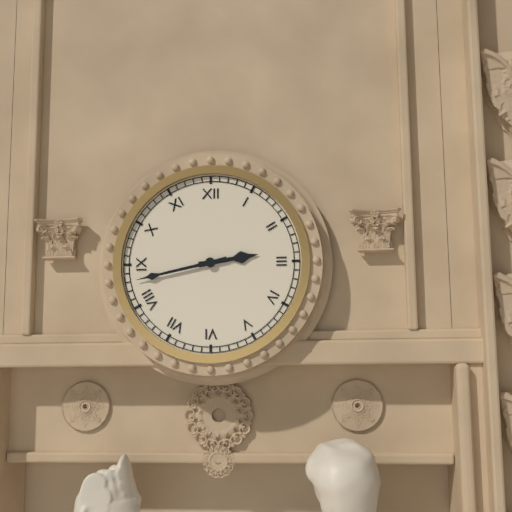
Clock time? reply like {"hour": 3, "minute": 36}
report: {"hour": 2, "minute": 43}
